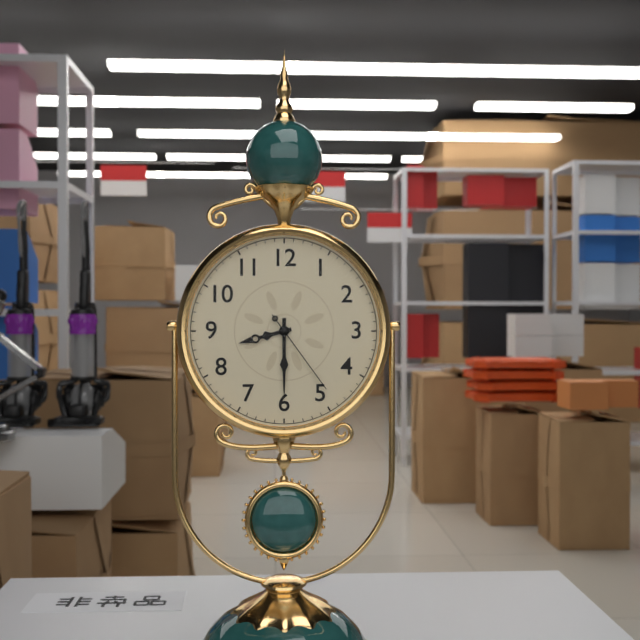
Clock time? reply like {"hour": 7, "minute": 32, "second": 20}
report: {"hour": 8, "minute": 30, "second": 24}
